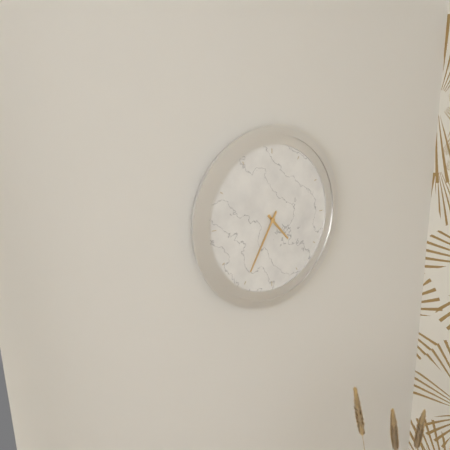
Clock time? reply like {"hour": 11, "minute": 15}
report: {"hour": 4, "minute": 35}
